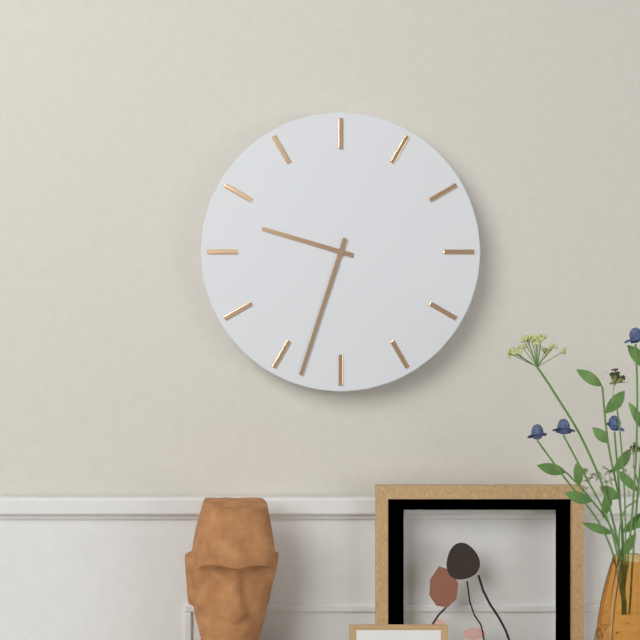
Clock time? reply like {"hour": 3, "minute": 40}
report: {"hour": 9, "minute": 33}
